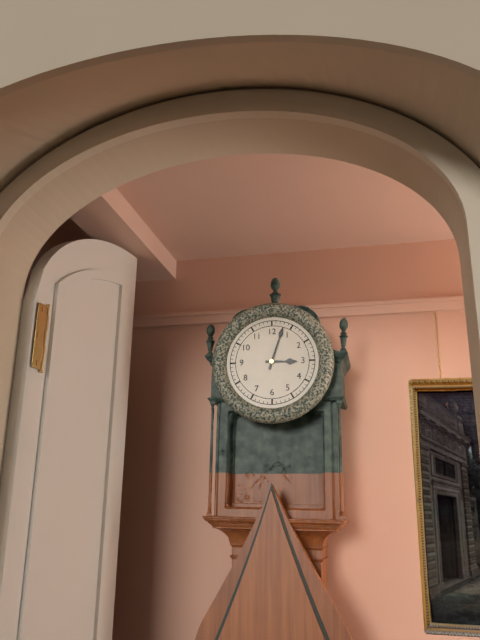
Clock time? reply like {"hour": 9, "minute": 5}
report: {"hour": 3, "minute": 3}
